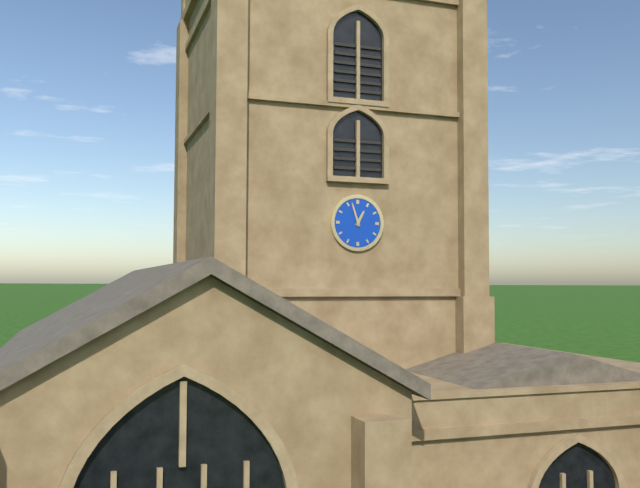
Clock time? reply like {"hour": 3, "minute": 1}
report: {"hour": 12, "minute": 57}
